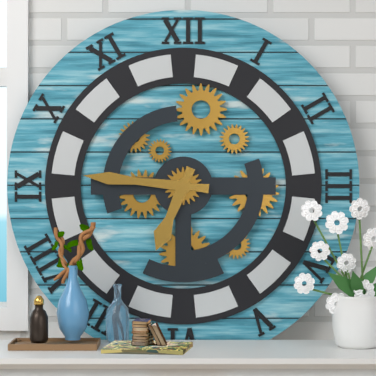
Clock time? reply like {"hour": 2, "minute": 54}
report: {"hour": 6, "minute": 46}
